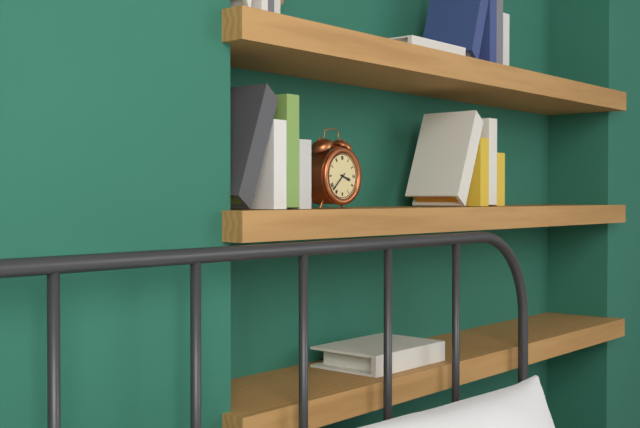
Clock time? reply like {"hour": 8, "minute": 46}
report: {"hour": 3, "minute": 38}
